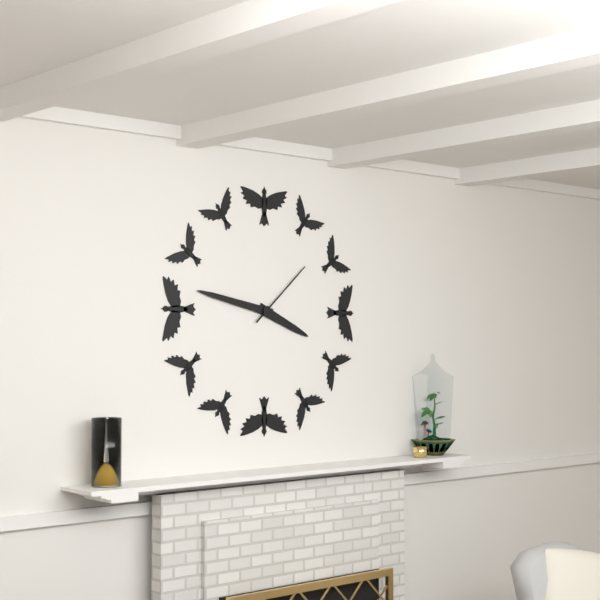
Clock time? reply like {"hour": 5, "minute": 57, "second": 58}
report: {"hour": 3, "minute": 47, "second": 8}
